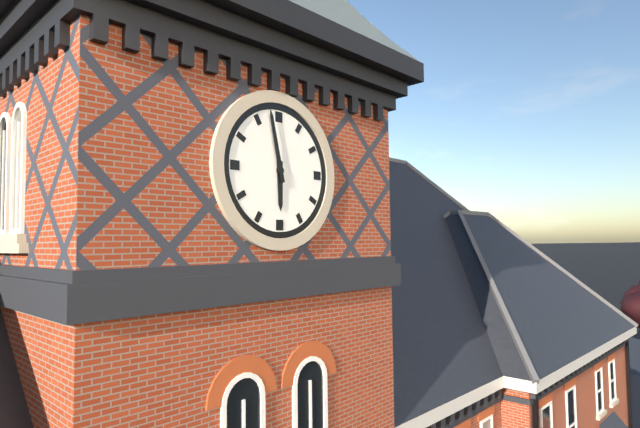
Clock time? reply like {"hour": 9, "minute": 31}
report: {"hour": 5, "minute": 58}
